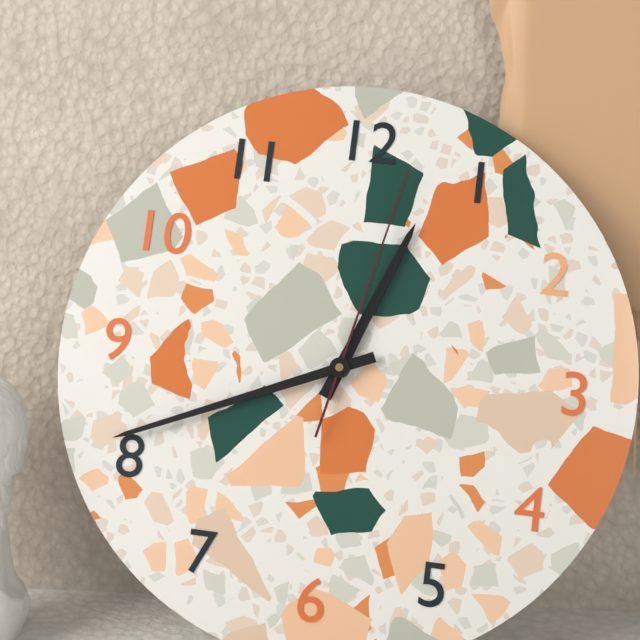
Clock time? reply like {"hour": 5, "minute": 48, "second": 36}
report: {"hour": 12, "minute": 41, "second": 2}
